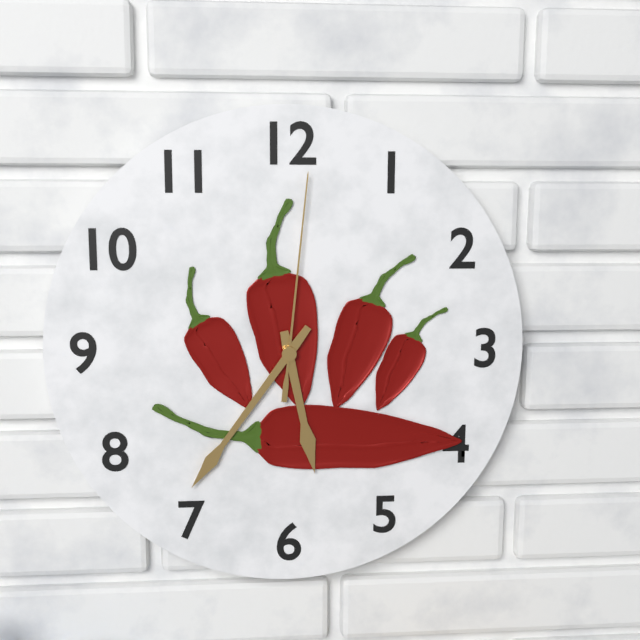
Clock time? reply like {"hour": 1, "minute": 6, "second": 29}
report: {"hour": 5, "minute": 36, "second": 1}
